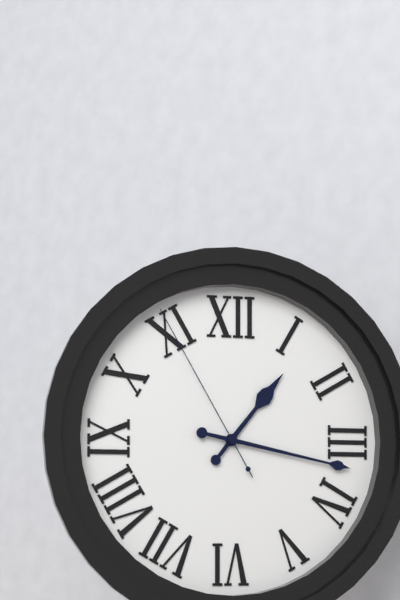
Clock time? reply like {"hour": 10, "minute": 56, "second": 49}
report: {"hour": 1, "minute": 17, "second": 55}
